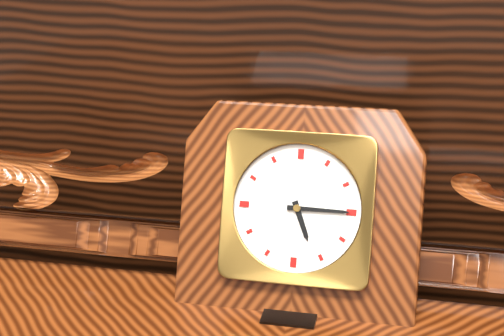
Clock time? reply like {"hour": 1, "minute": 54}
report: {"hour": 5, "minute": 15}
